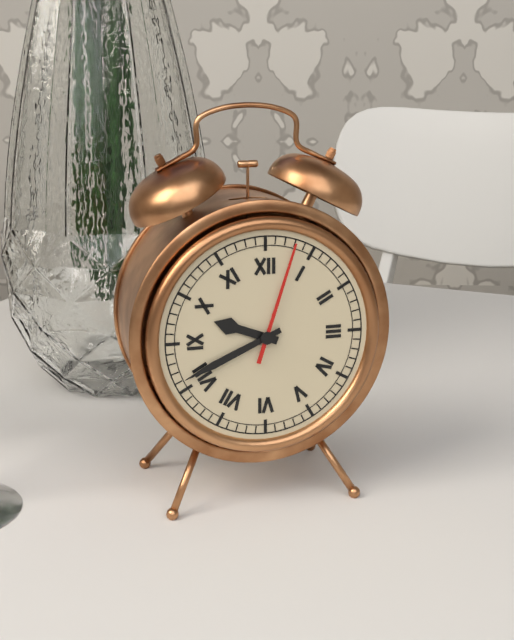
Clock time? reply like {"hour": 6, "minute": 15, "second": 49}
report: {"hour": 9, "minute": 41, "second": 3}
